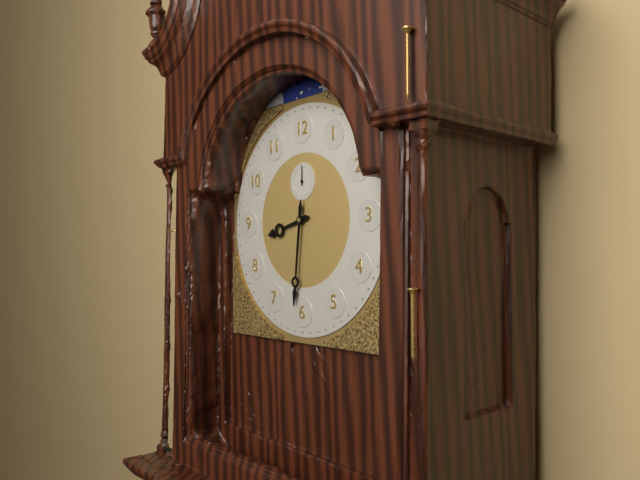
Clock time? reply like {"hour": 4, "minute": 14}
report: {"hour": 8, "minute": 31}
